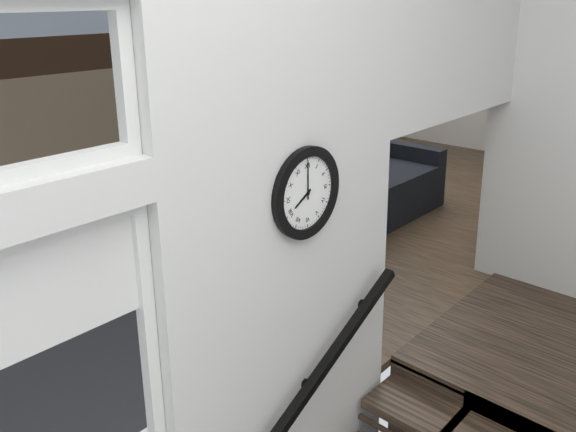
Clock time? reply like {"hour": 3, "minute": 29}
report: {"hour": 8, "minute": 0}
